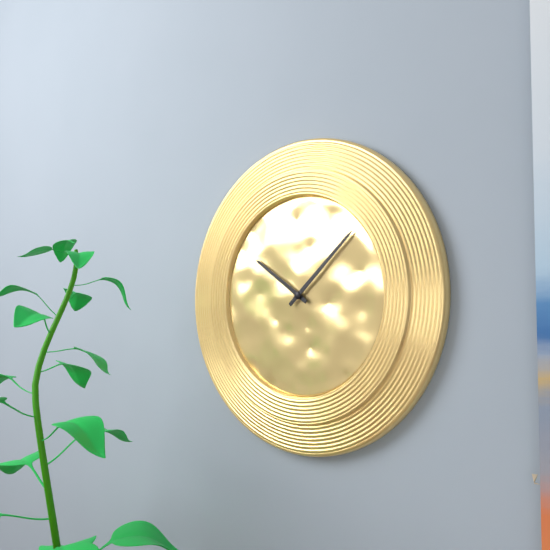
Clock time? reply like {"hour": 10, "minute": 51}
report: {"hour": 10, "minute": 8}
